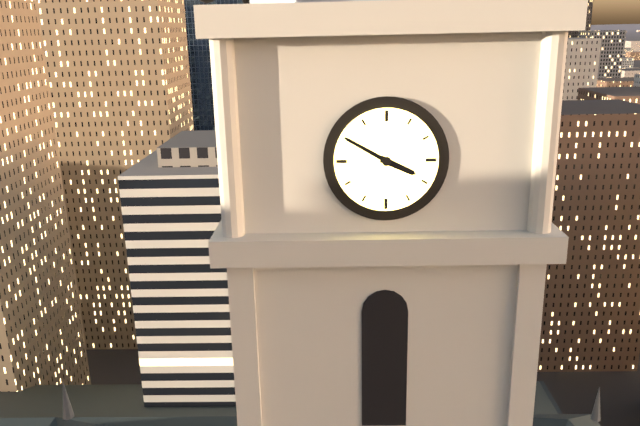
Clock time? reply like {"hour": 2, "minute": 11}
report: {"hour": 3, "minute": 50}
